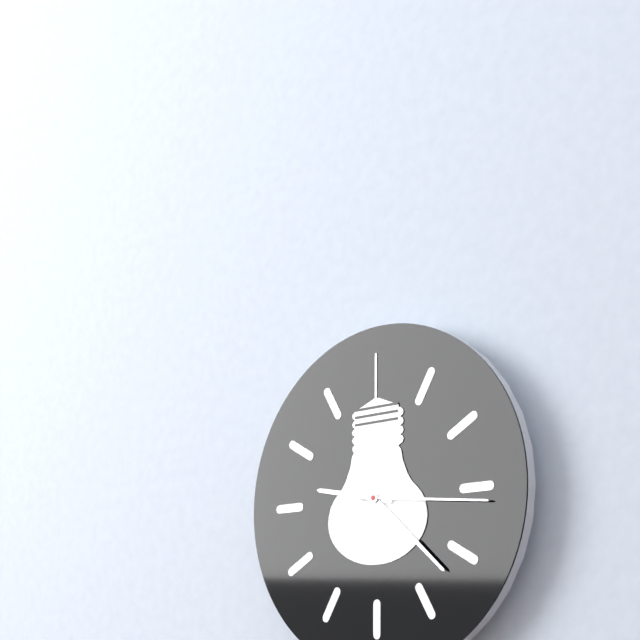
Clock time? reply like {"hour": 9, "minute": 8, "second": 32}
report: {"hour": 9, "minute": 22, "second": 16}
